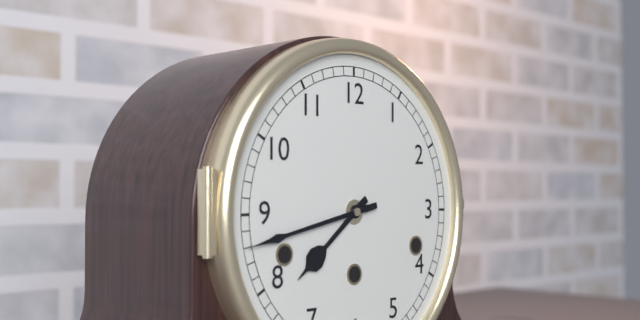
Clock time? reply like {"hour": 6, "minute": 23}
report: {"hour": 7, "minute": 43}
